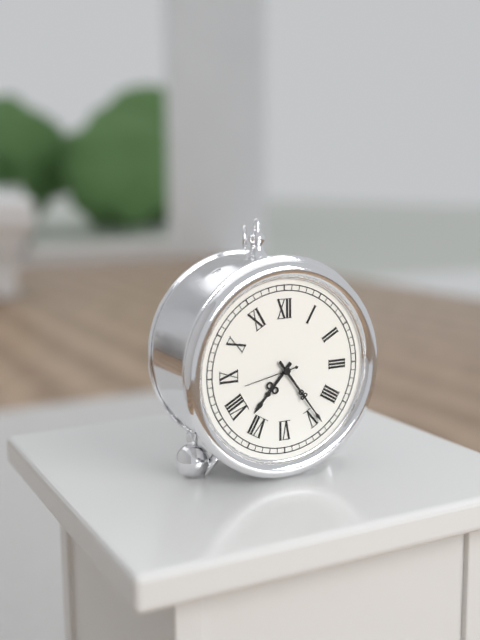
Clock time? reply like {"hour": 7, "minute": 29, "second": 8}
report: {"hour": 7, "minute": 24, "second": 43}
